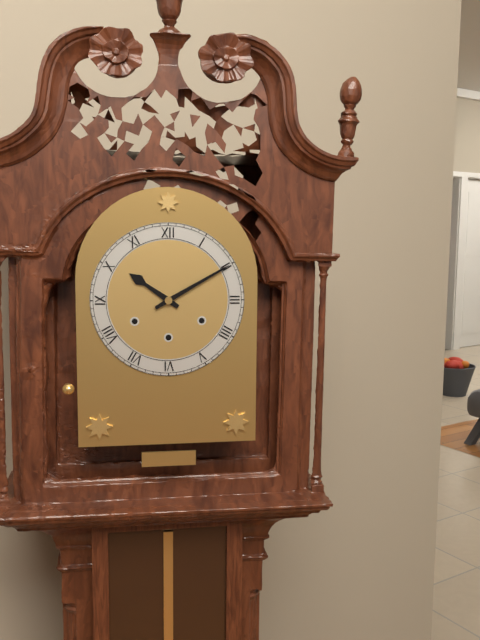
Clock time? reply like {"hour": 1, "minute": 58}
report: {"hour": 10, "minute": 10}
